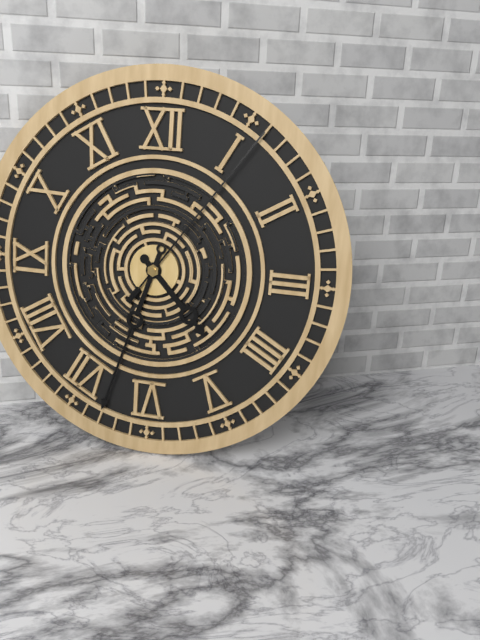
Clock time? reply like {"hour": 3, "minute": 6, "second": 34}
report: {"hour": 4, "minute": 33, "second": 6}
